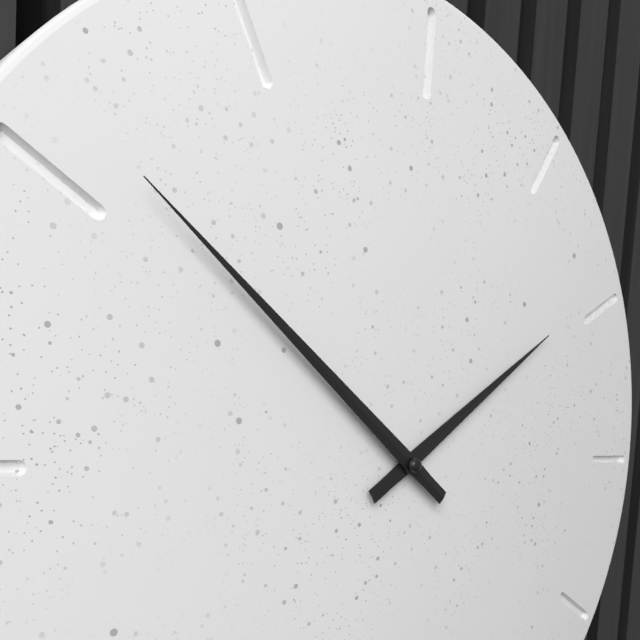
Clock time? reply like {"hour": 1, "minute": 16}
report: {"hour": 1, "minute": 51}
